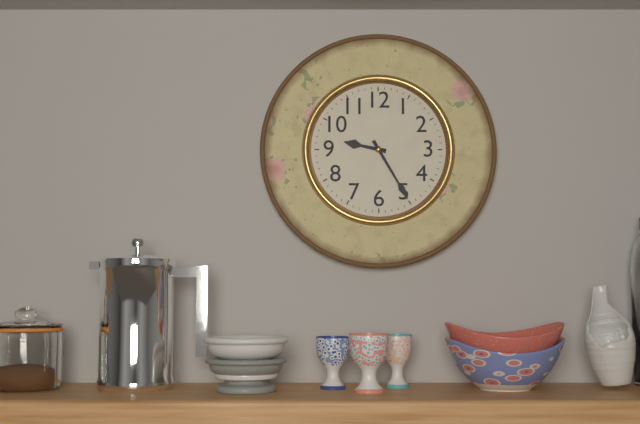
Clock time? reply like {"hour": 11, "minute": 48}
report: {"hour": 9, "minute": 25}
